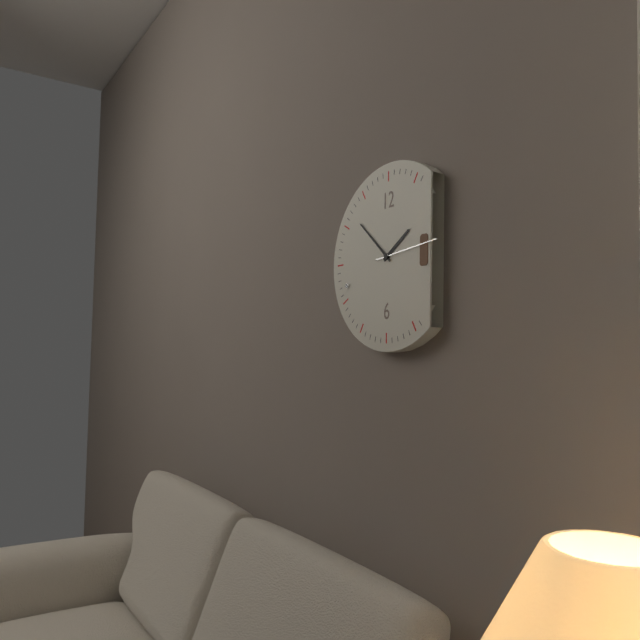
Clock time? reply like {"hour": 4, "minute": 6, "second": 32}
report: {"hour": 1, "minute": 52, "second": 14}
